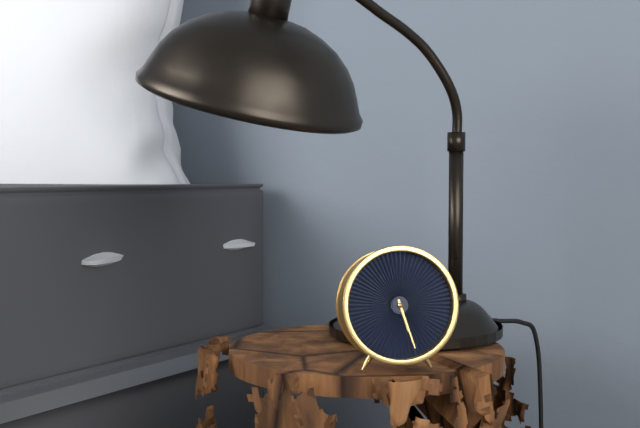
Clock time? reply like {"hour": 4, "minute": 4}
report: {"hour": 5, "minute": 27}
